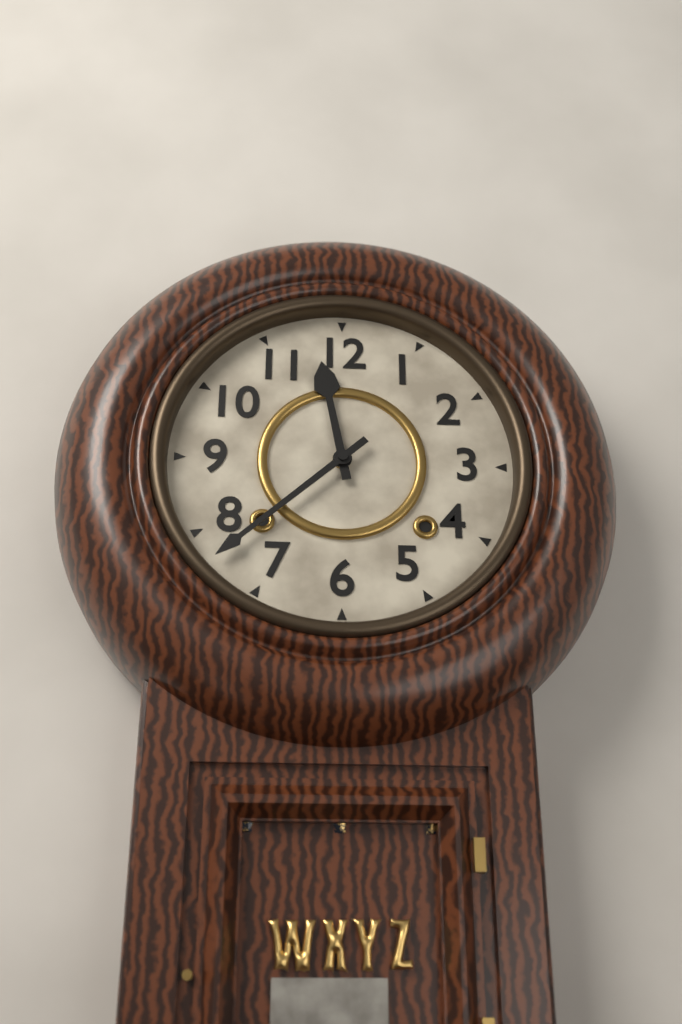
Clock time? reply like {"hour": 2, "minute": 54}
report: {"hour": 11, "minute": 38}
